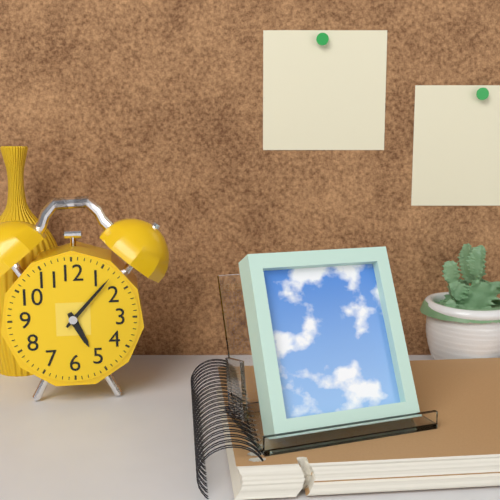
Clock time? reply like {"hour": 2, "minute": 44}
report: {"hour": 5, "minute": 7}
